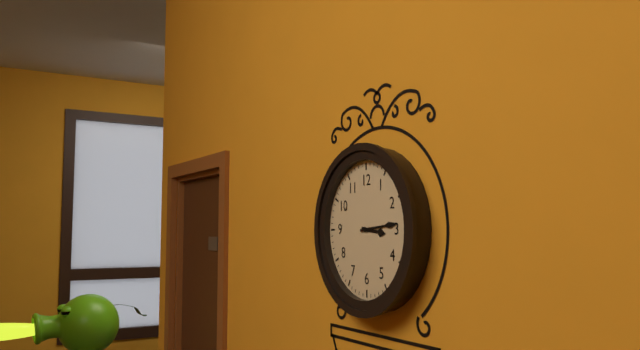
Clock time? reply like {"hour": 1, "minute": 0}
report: {"hour": 3, "minute": 14}
